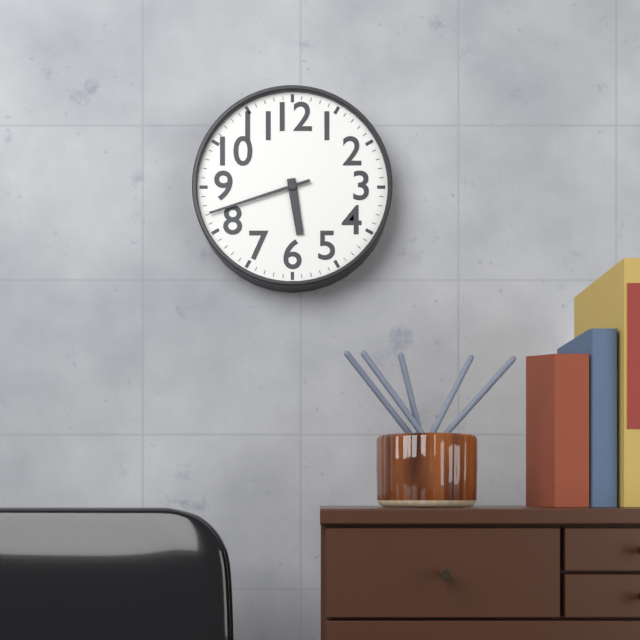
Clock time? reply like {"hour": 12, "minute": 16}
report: {"hour": 5, "minute": 42}
